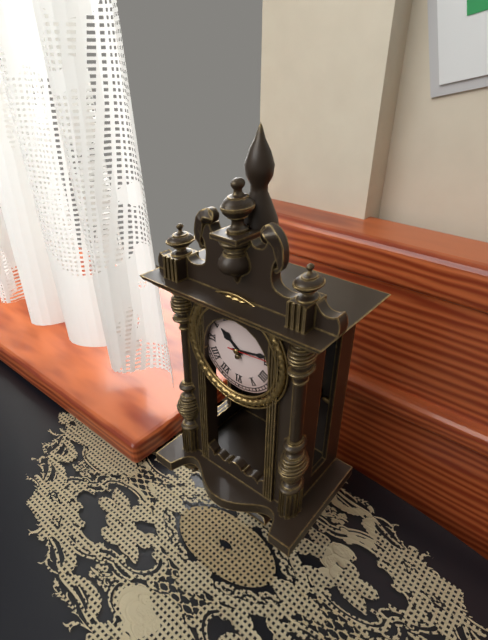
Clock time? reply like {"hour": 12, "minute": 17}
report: {"hour": 10, "minute": 13}
